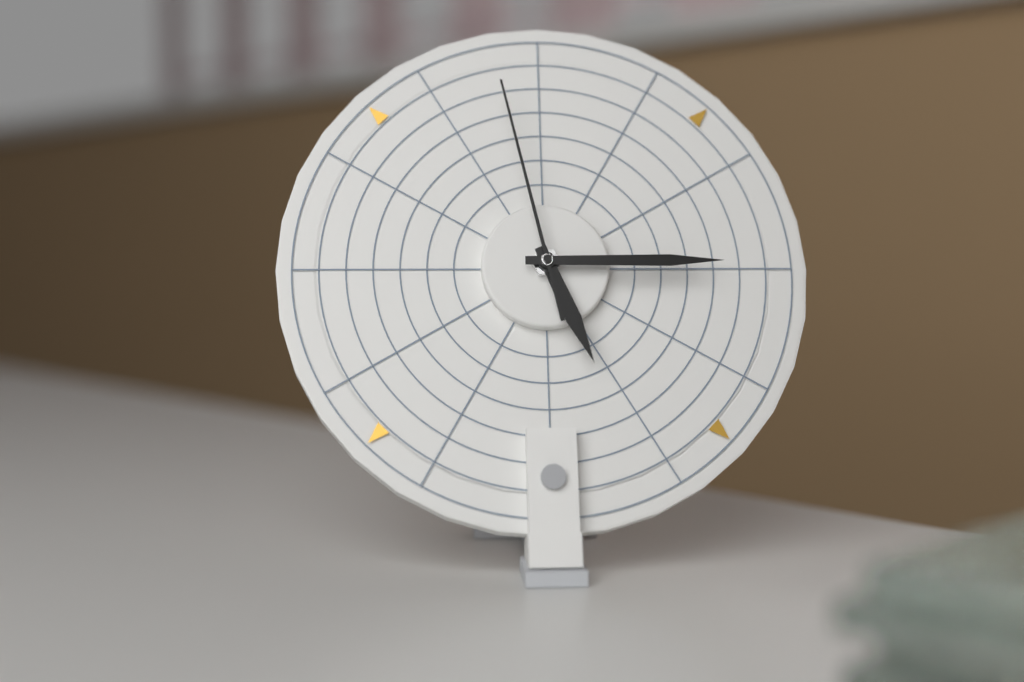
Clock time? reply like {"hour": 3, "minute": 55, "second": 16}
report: {"hour": 5, "minute": 15, "second": 58}
